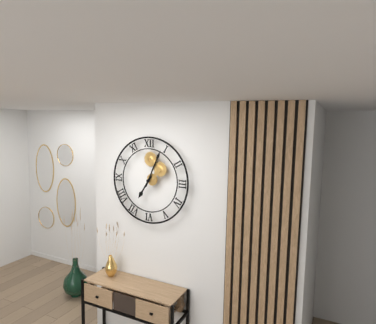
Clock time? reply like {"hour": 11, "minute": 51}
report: {"hour": 7, "minute": 4}
